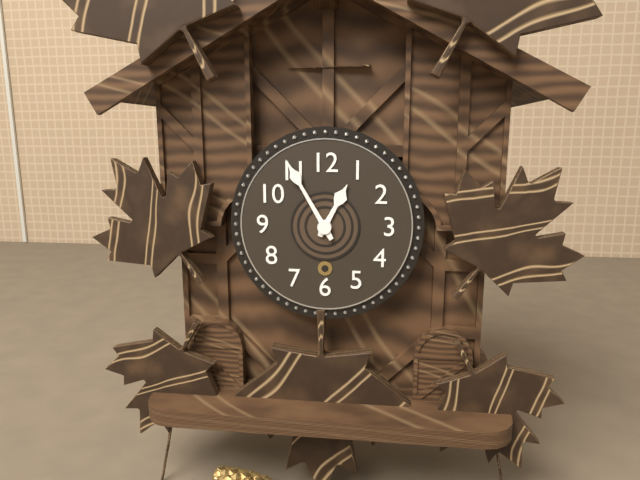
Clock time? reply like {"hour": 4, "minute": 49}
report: {"hour": 12, "minute": 55}
